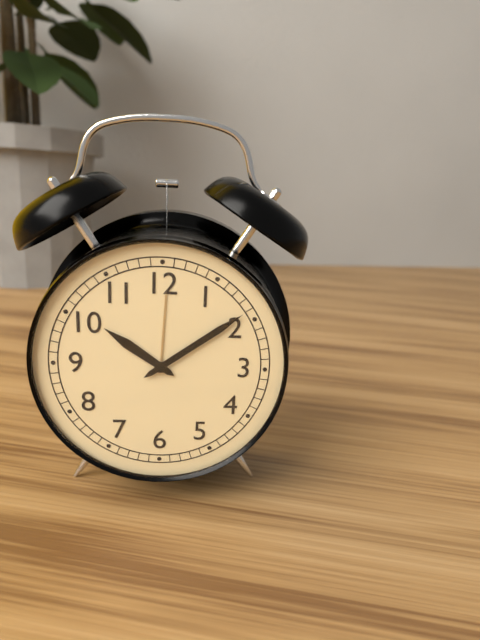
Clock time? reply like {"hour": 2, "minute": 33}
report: {"hour": 10, "minute": 9}
